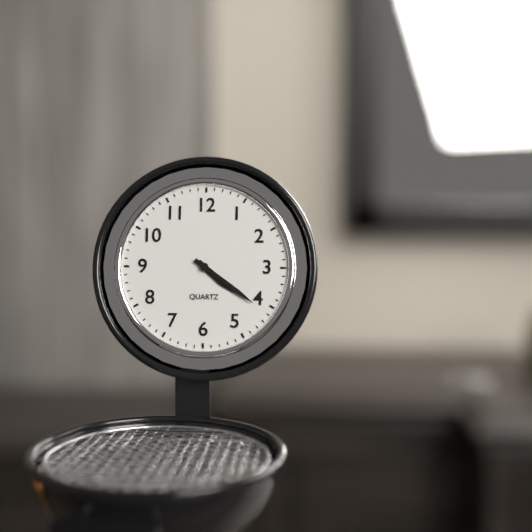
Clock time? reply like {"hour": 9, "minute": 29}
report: {"hour": 4, "minute": 21}
